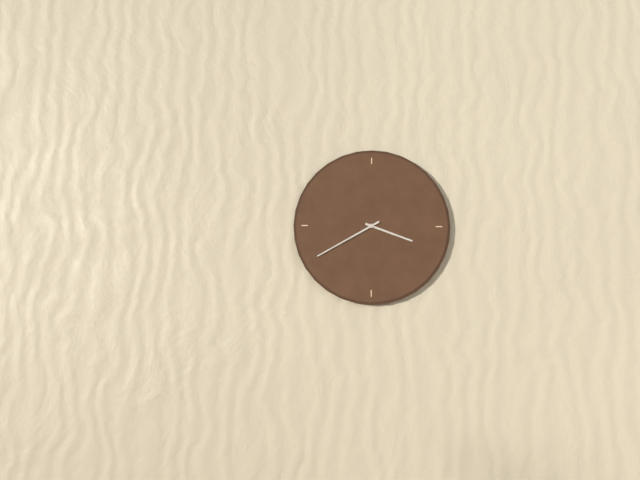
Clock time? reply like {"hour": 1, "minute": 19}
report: {"hour": 3, "minute": 40}
